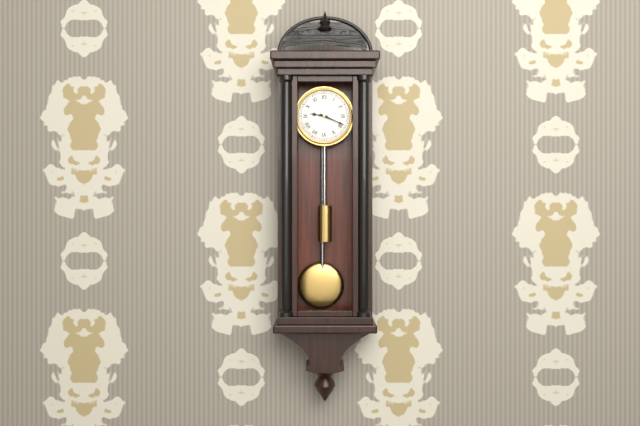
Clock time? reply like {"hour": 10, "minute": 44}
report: {"hour": 9, "minute": 19}
